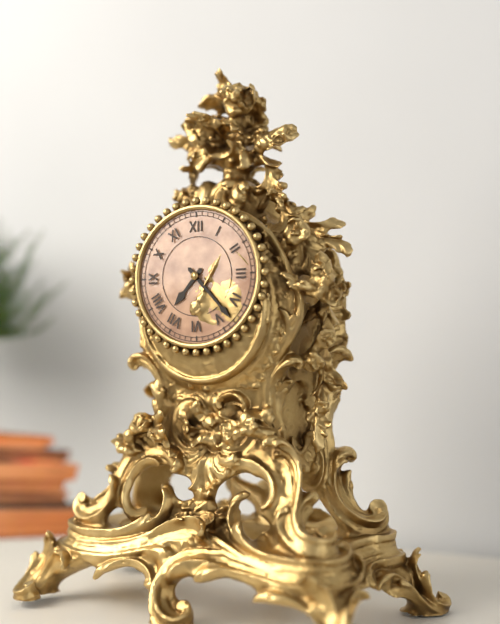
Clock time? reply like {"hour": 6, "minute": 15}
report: {"hour": 7, "minute": 23}
